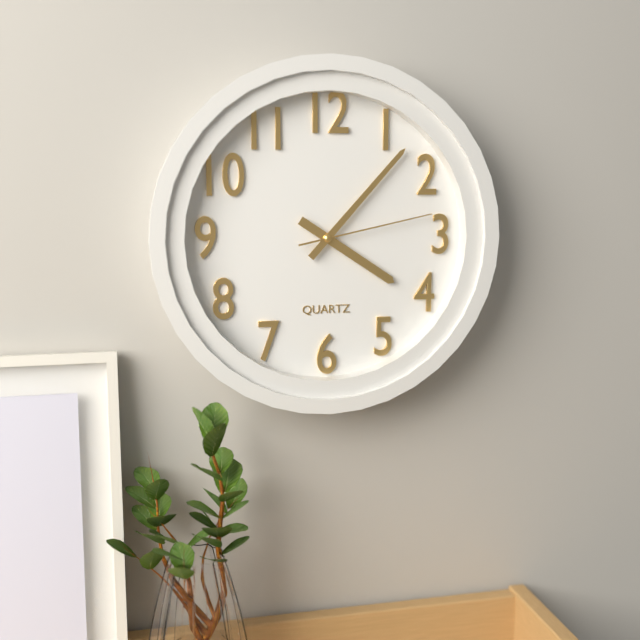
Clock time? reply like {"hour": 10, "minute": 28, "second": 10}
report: {"hour": 4, "minute": 7, "second": 13}
